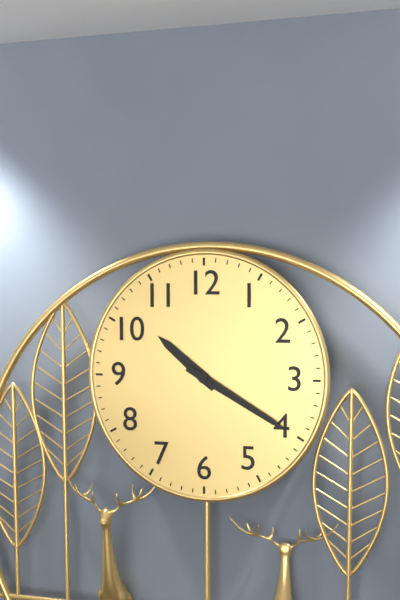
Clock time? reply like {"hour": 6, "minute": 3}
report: {"hour": 10, "minute": 20}
